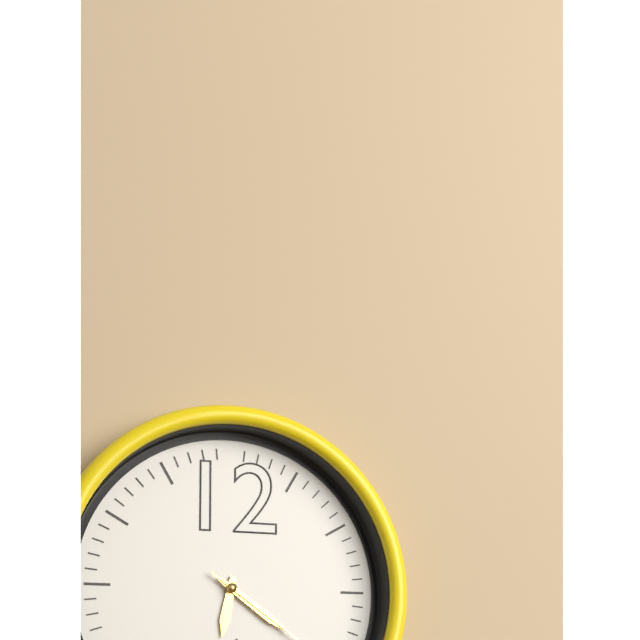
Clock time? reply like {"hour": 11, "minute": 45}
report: {"hour": 6, "minute": 21}
